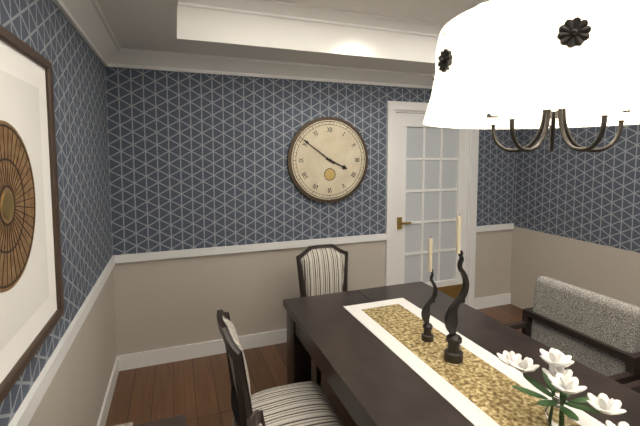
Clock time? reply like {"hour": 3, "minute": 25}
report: {"hour": 3, "minute": 51}
